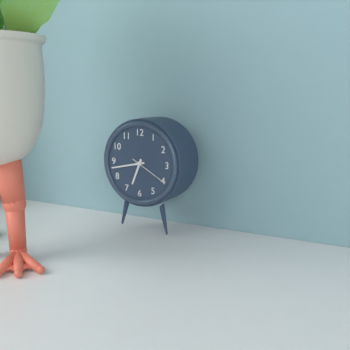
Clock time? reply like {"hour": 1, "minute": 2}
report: {"hour": 6, "minute": 43}
